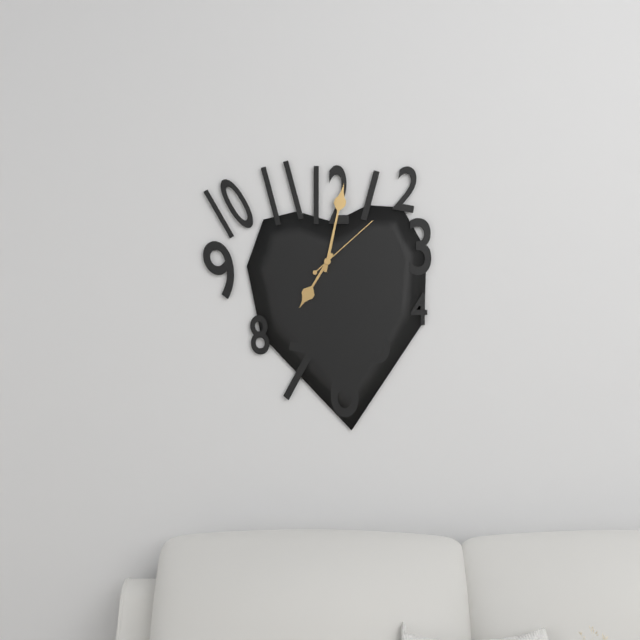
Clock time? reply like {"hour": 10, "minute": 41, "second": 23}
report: {"hour": 7, "minute": 2, "second": 8}
